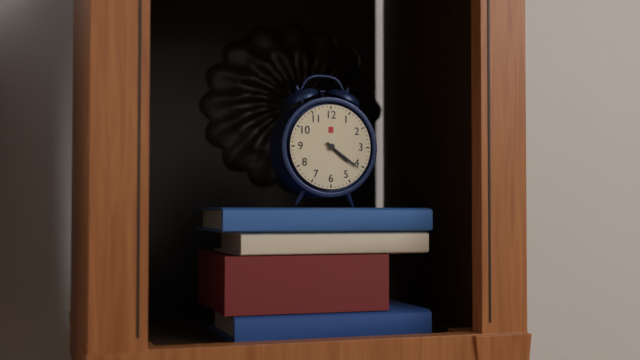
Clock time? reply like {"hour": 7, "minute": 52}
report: {"hour": 4, "minute": 21}
